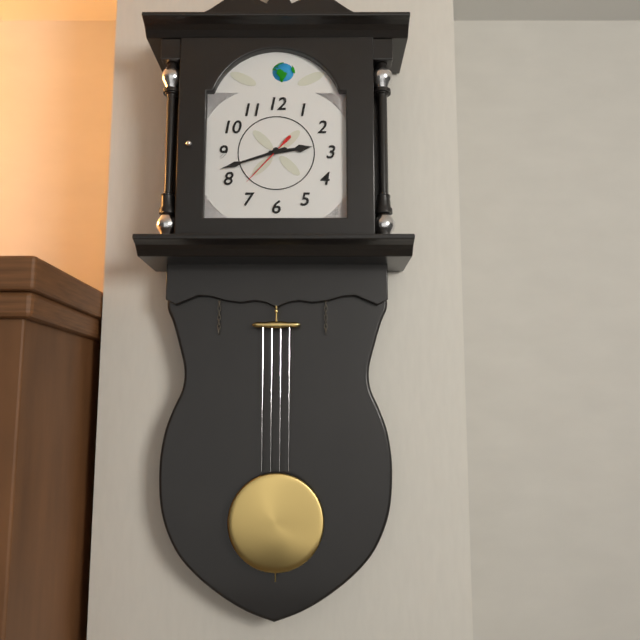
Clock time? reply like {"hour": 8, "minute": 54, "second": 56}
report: {"hour": 2, "minute": 42, "second": 37}
